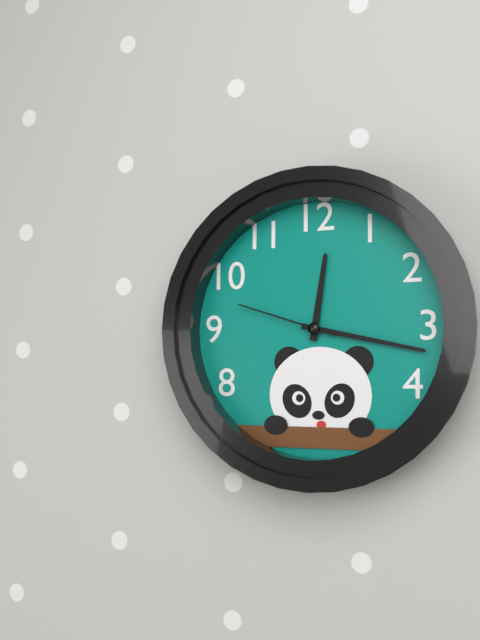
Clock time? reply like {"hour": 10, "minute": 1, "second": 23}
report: {"hour": 12, "minute": 17, "second": 48}
